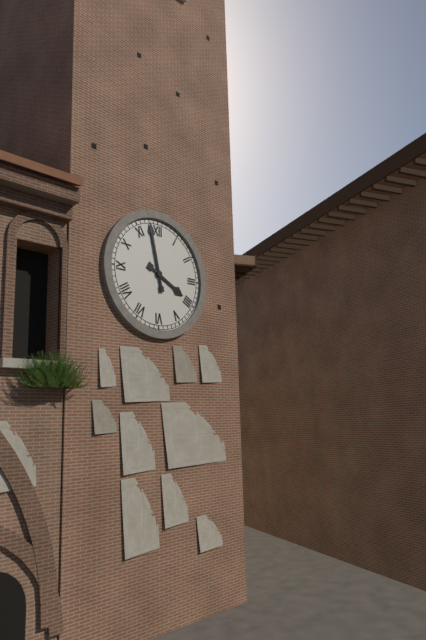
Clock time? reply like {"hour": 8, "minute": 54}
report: {"hour": 3, "minute": 58}
